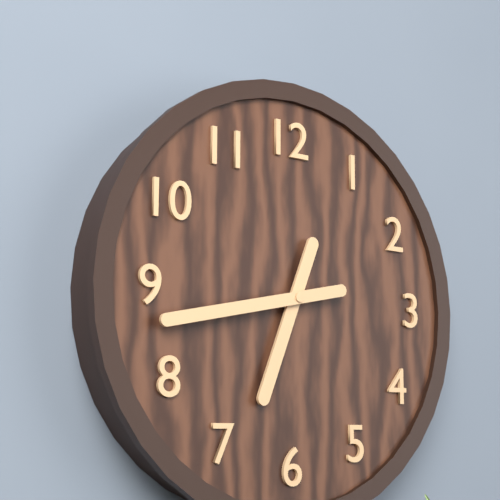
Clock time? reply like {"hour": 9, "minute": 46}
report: {"hour": 6, "minute": 43}
